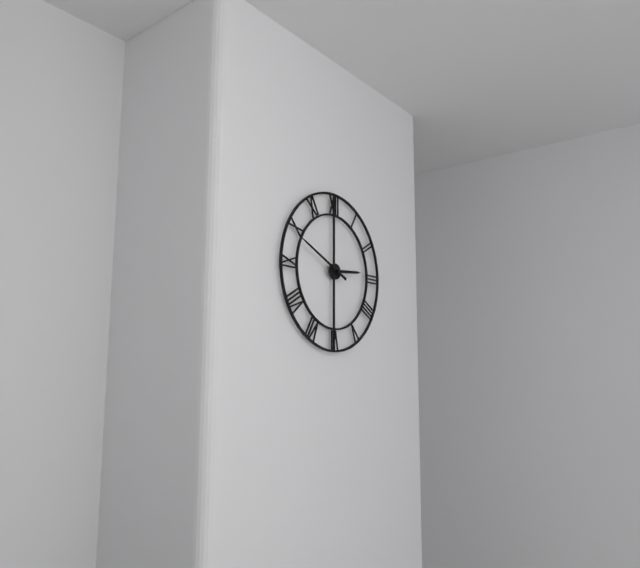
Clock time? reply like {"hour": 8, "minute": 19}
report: {"hour": 2, "minute": 49}
